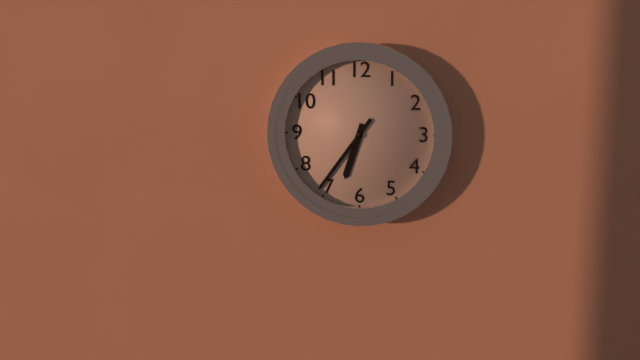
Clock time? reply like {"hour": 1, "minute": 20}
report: {"hour": 6, "minute": 36}
